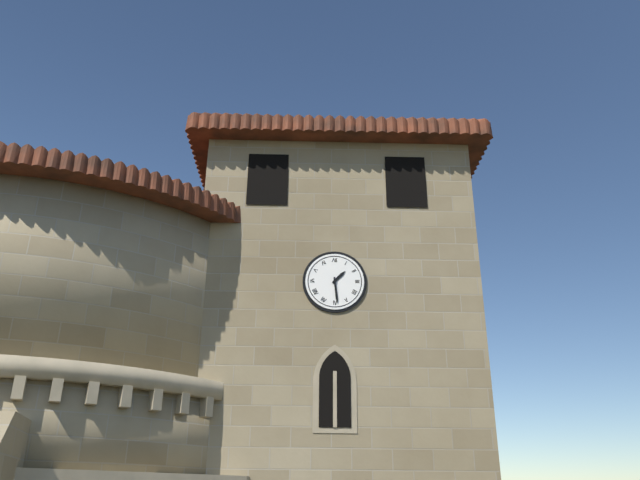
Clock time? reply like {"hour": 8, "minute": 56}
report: {"hour": 1, "minute": 29}
